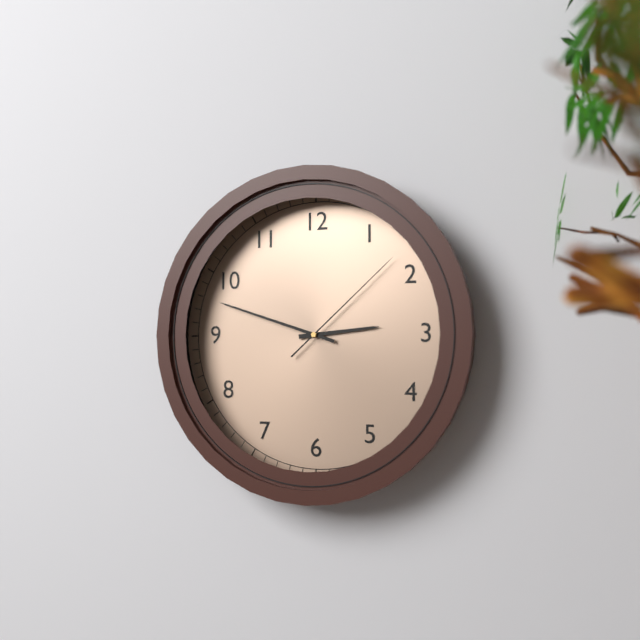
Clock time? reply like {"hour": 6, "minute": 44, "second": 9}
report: {"hour": 2, "minute": 48, "second": 8}
